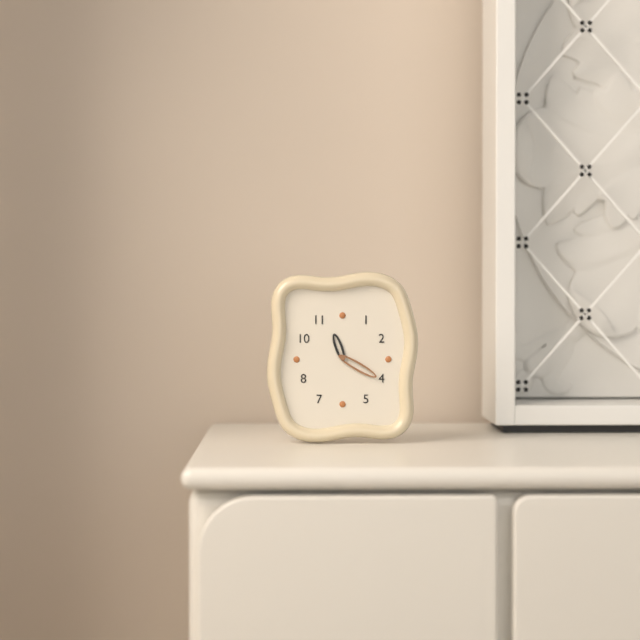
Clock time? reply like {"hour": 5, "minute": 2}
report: {"hour": 11, "minute": 20}
